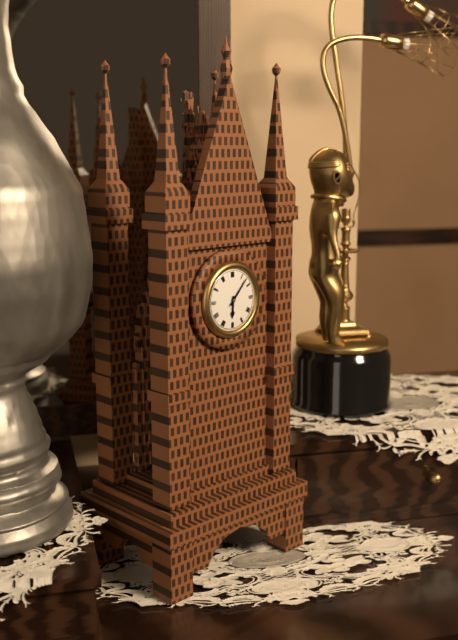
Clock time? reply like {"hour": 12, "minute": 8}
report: {"hour": 6, "minute": 7}
